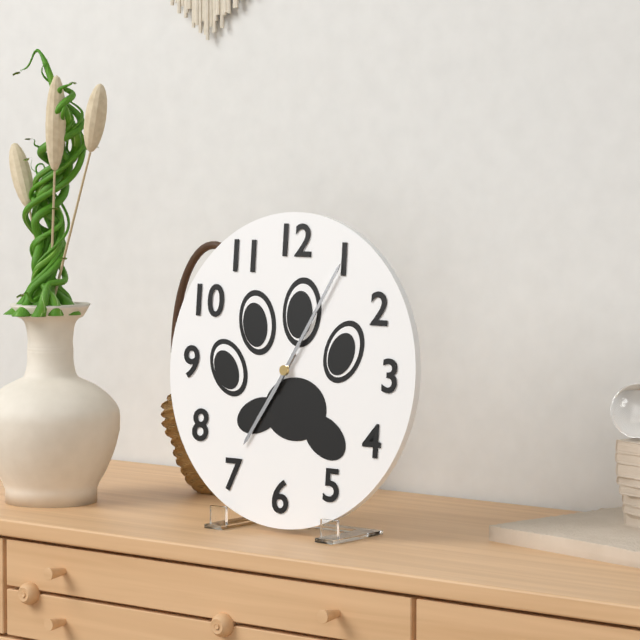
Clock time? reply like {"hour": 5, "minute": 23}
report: {"hour": 7, "minute": 5}
